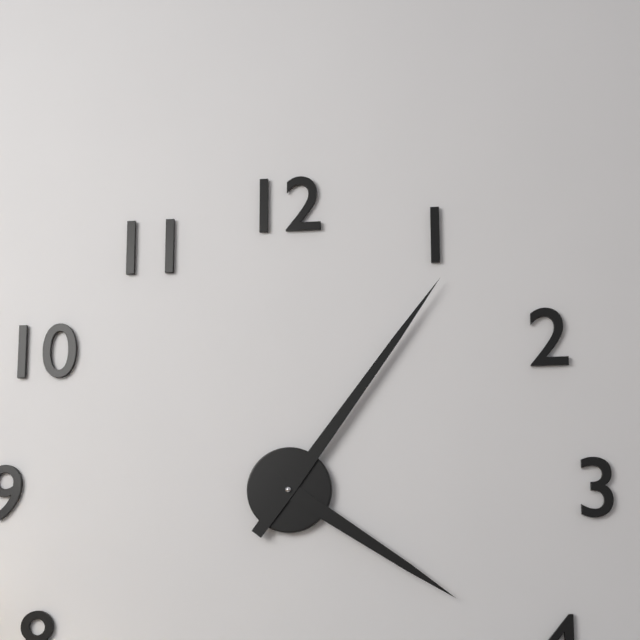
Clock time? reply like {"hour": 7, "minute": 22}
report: {"hour": 4, "minute": 6}
